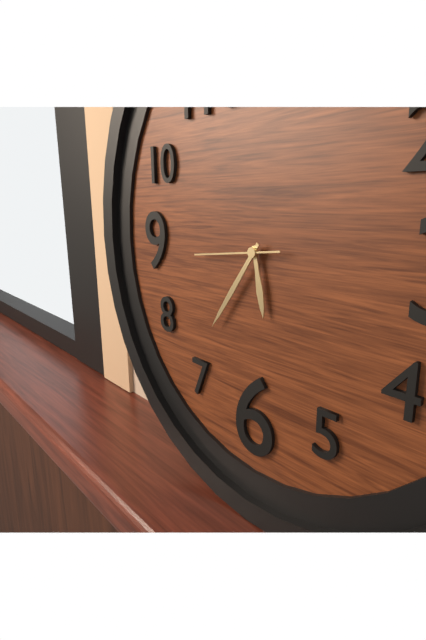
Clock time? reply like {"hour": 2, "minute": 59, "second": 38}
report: {"hour": 5, "minute": 36, "second": 44}
